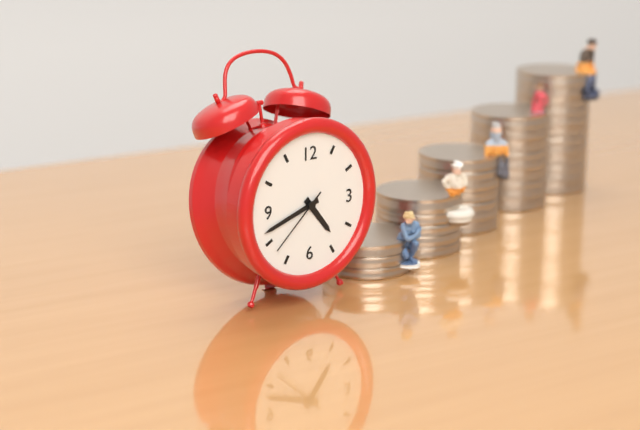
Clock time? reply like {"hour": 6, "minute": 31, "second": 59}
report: {"hour": 4, "minute": 42, "second": 38}
